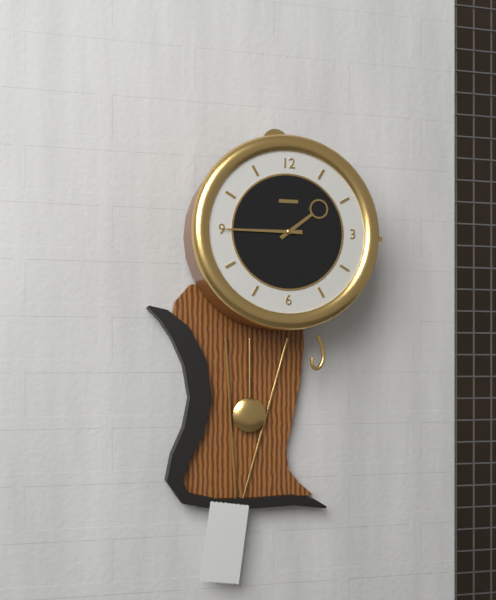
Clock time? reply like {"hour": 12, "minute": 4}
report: {"hour": 1, "minute": 45}
